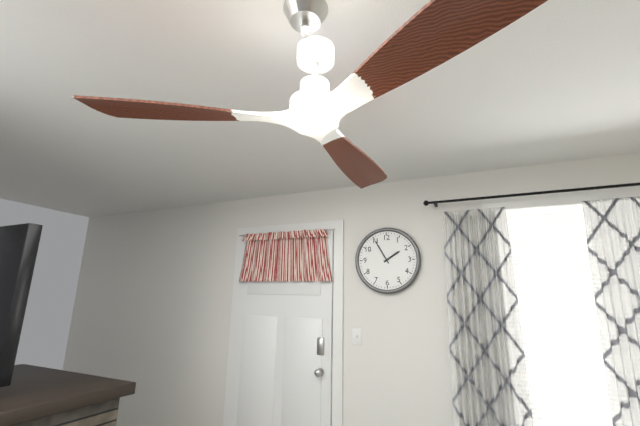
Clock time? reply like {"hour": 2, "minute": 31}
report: {"hour": 1, "minute": 55}
